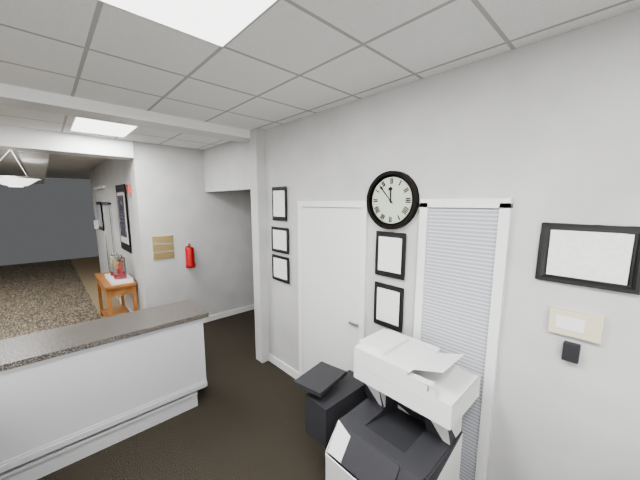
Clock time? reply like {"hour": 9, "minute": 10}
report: {"hour": 11, "minute": 53}
